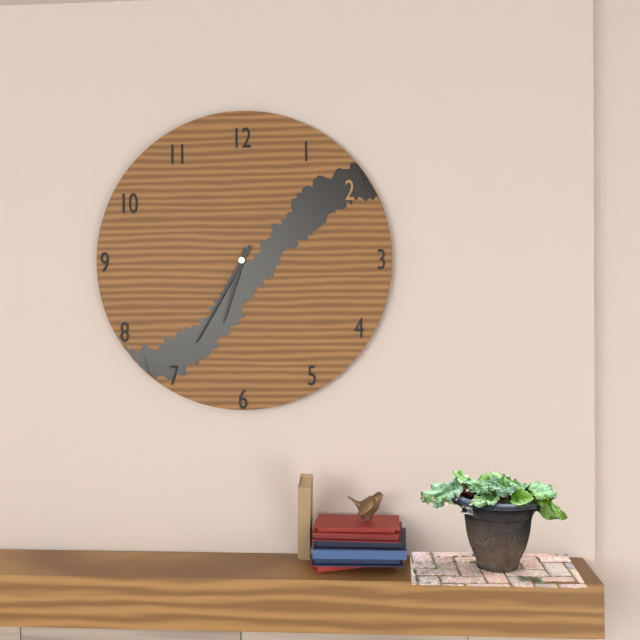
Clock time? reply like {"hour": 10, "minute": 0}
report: {"hour": 6, "minute": 35}
